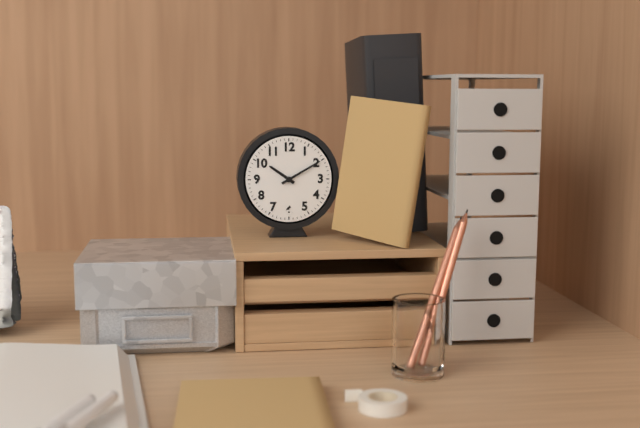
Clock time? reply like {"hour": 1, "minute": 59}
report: {"hour": 10, "minute": 10}
